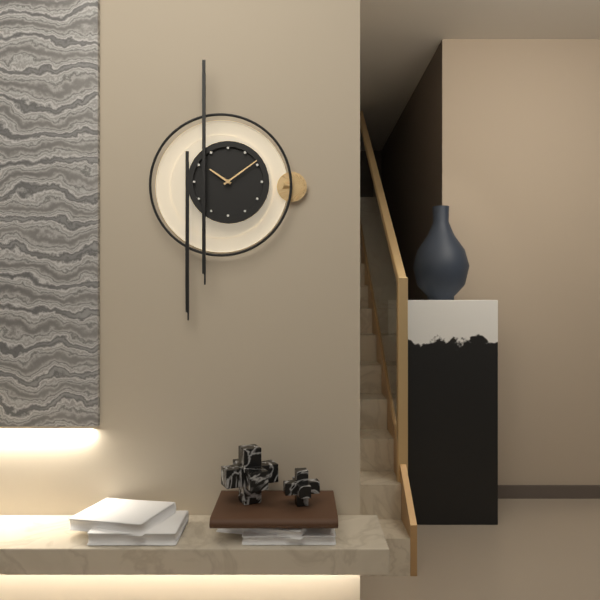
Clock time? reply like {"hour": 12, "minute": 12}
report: {"hour": 10, "minute": 9}
